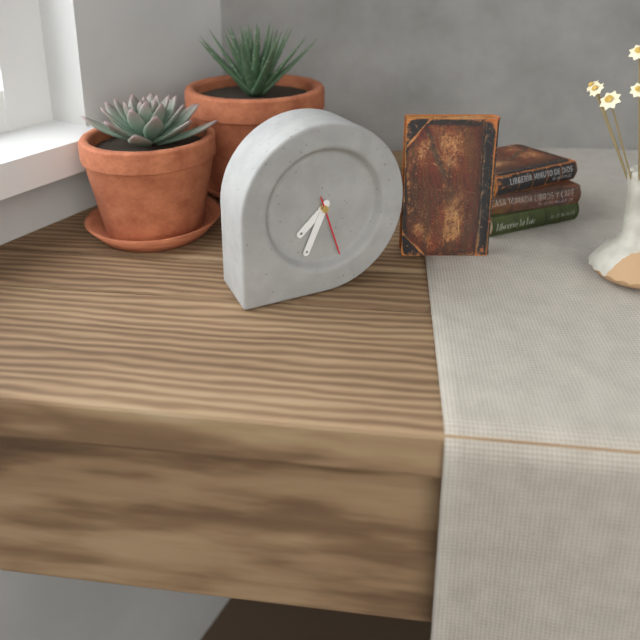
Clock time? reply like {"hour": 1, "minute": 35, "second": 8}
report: {"hour": 7, "minute": 34, "second": 27}
